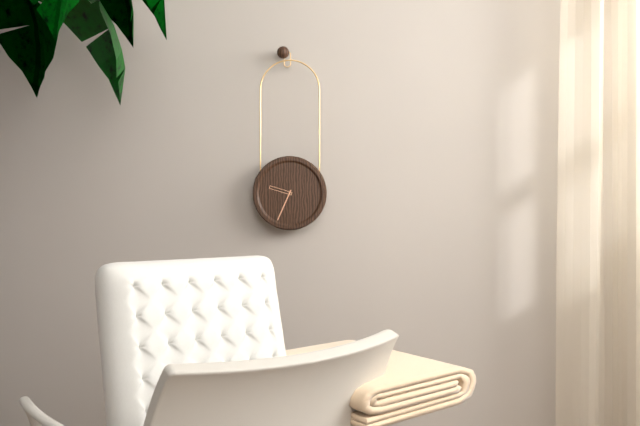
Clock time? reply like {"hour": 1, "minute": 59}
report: {"hour": 9, "minute": 34}
